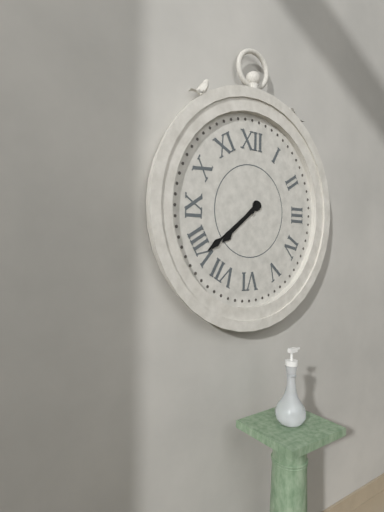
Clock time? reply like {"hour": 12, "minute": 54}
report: {"hour": 7, "minute": 39}
